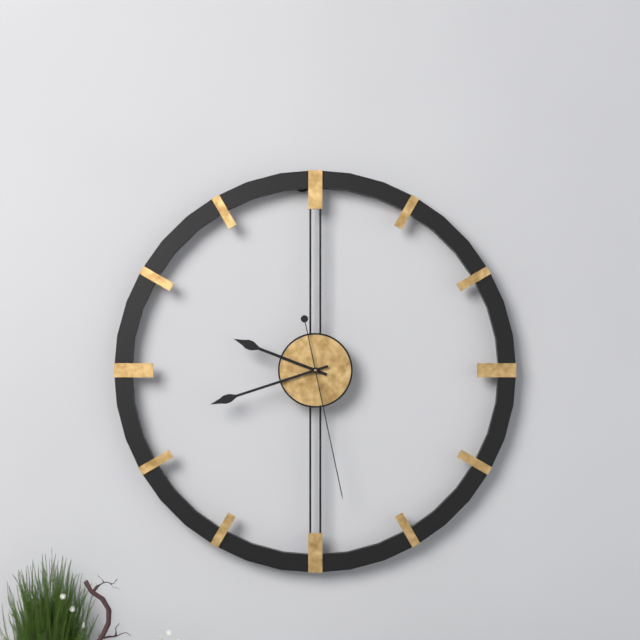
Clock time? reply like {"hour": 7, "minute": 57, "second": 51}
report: {"hour": 9, "minute": 42, "second": 28}
